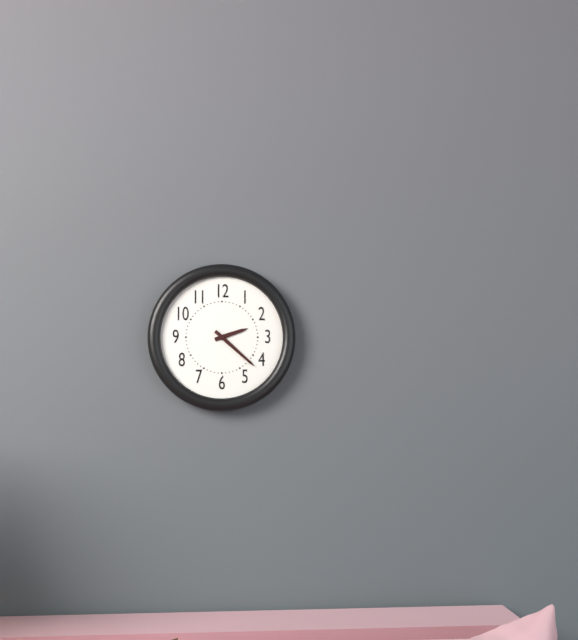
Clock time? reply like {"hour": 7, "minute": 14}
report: {"hour": 2, "minute": 22}
